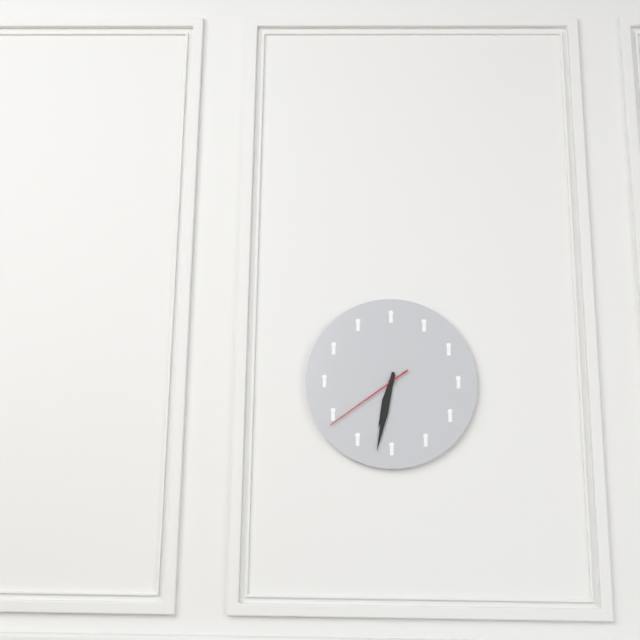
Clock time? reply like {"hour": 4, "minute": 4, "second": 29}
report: {"hour": 6, "minute": 32, "second": 39}
